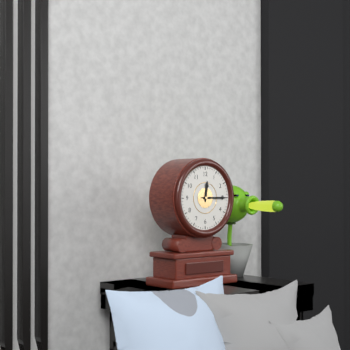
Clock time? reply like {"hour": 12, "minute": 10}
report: {"hour": 12, "minute": 15}
